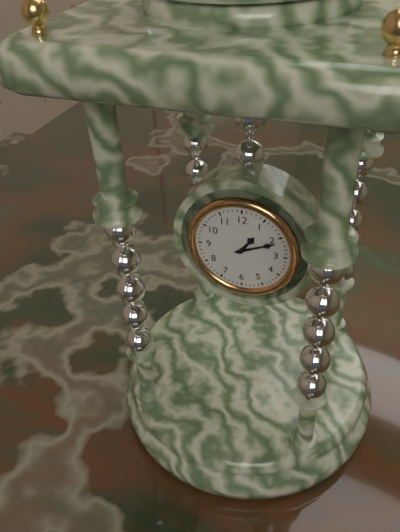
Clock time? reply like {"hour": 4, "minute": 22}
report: {"hour": 1, "minute": 11}
